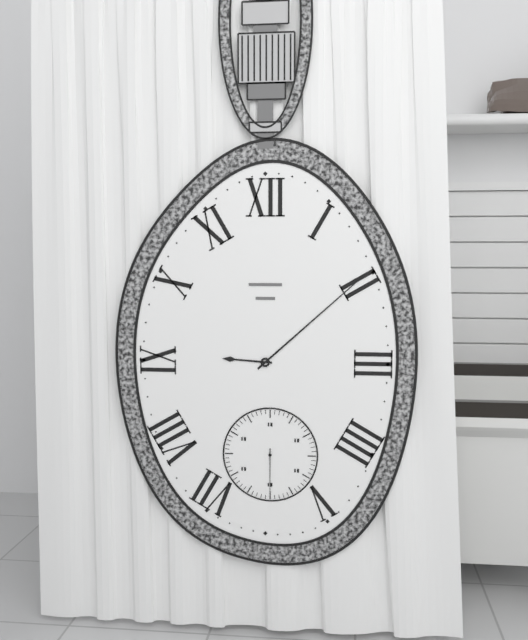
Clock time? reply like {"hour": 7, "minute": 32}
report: {"hour": 9, "minute": 8}
